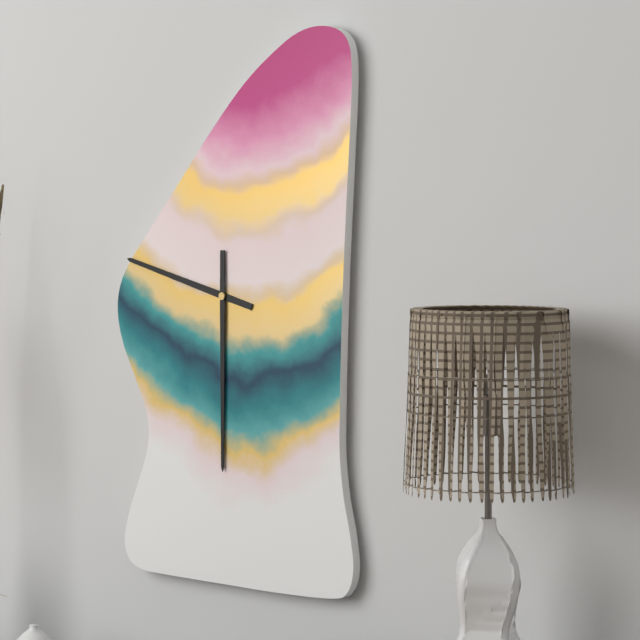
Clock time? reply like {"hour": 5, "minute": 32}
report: {"hour": 9, "minute": 30}
